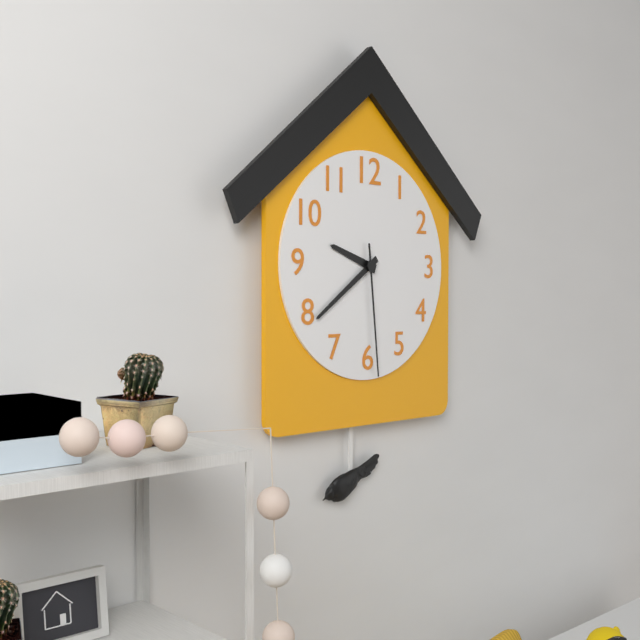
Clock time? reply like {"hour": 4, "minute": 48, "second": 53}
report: {"hour": 9, "minute": 39, "second": 29}
